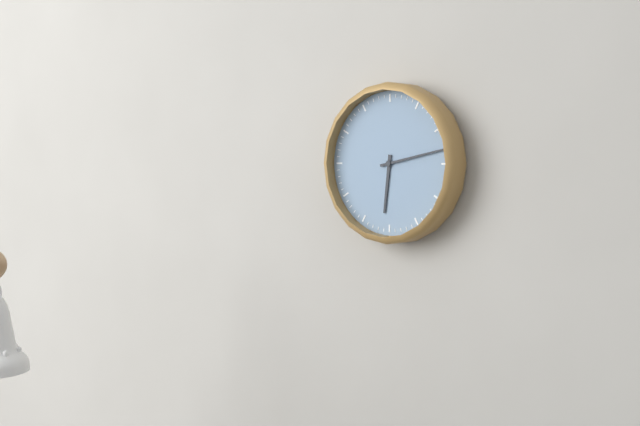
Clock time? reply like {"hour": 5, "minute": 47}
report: {"hour": 6, "minute": 13}
